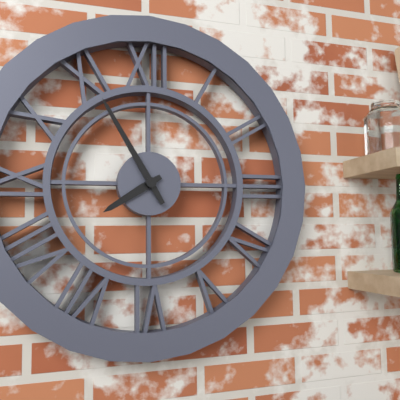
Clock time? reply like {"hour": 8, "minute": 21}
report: {"hour": 7, "minute": 55}
